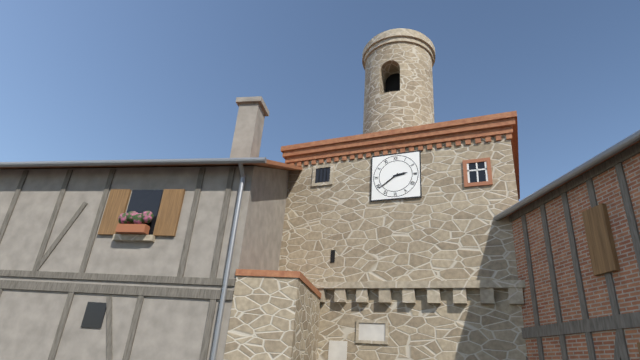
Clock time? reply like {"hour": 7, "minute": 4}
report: {"hour": 2, "minute": 39}
